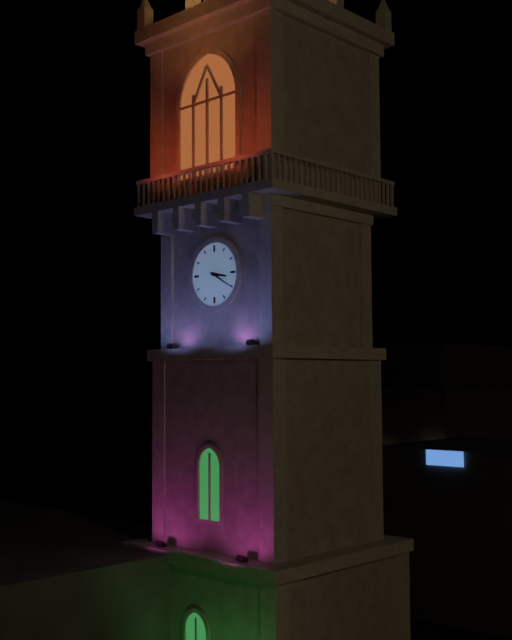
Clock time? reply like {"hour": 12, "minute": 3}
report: {"hour": 3, "minute": 20}
